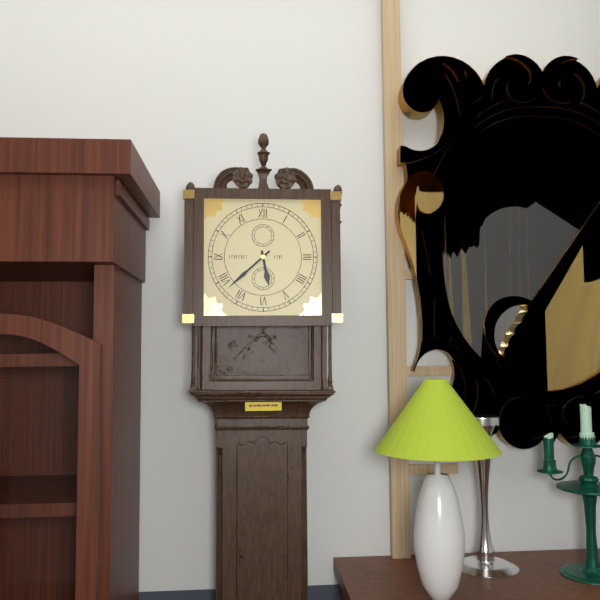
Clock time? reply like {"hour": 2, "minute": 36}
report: {"hour": 5, "minute": 38}
